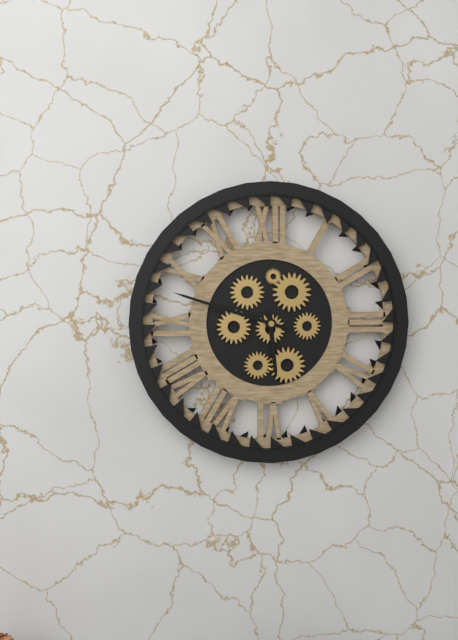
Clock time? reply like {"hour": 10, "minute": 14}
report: {"hour": 5, "minute": 48}
